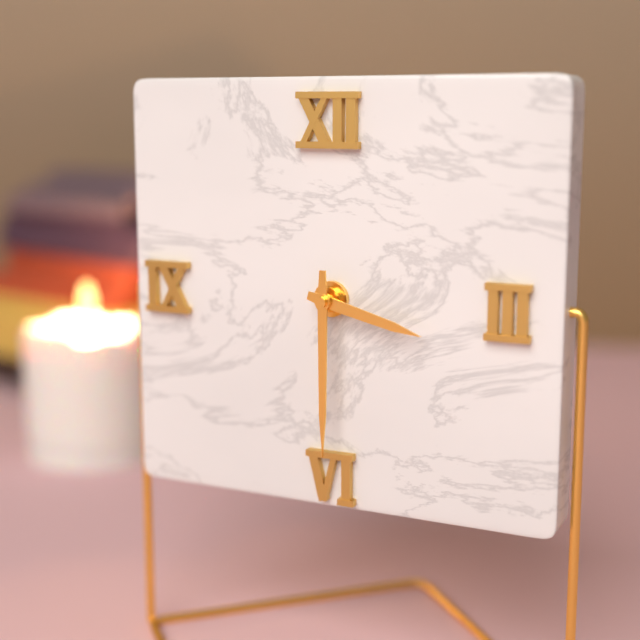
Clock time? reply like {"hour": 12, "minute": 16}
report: {"hour": 3, "minute": 30}
